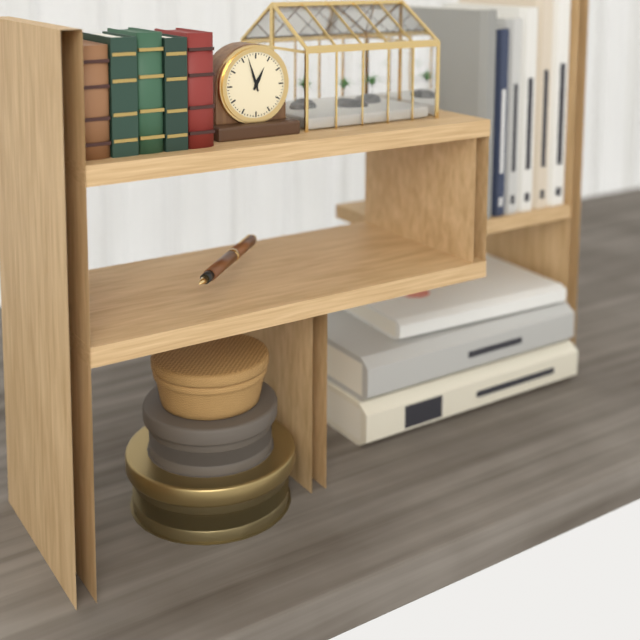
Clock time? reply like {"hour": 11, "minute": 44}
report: {"hour": 12, "minute": 57}
